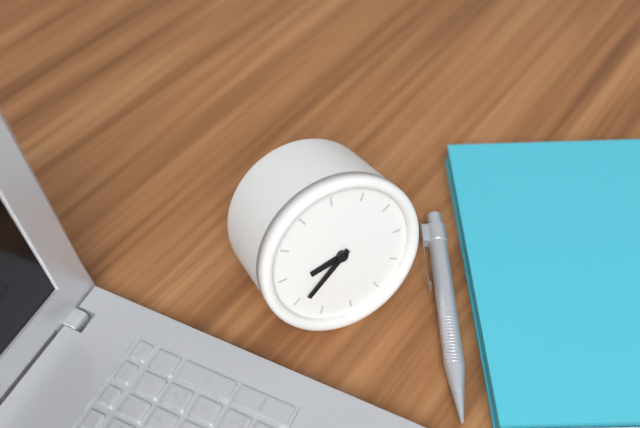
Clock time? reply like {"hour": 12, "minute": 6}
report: {"hour": 8, "minute": 39}
